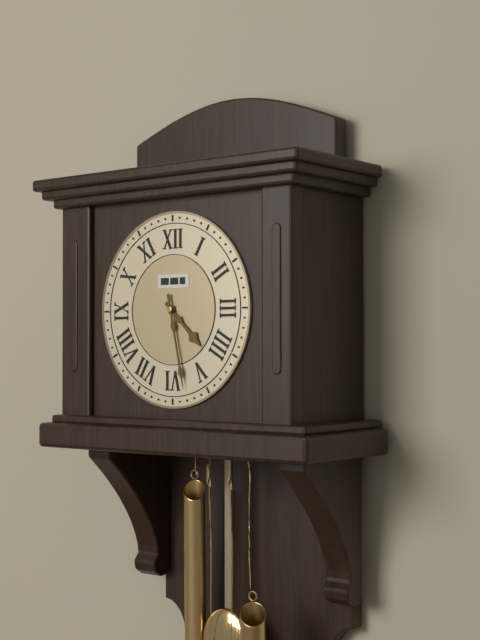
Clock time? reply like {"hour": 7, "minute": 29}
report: {"hour": 4, "minute": 28}
